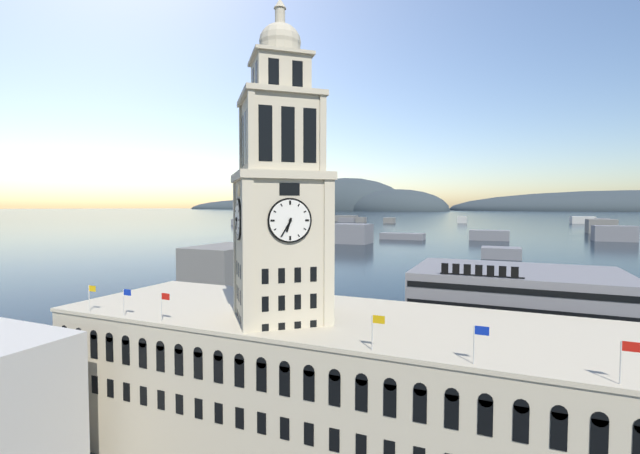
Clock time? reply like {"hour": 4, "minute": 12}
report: {"hour": 6, "minute": 35}
